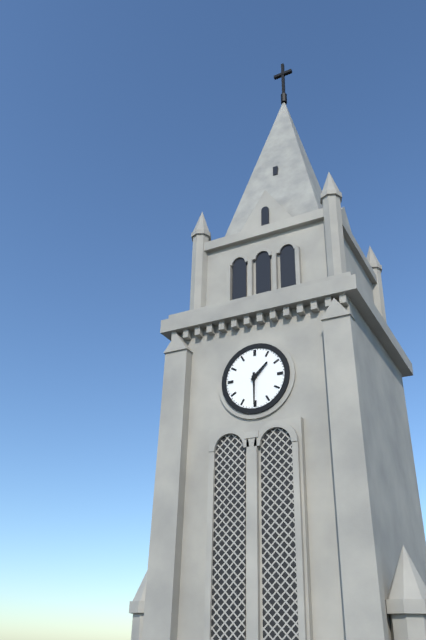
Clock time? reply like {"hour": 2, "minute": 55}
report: {"hour": 1, "minute": 30}
